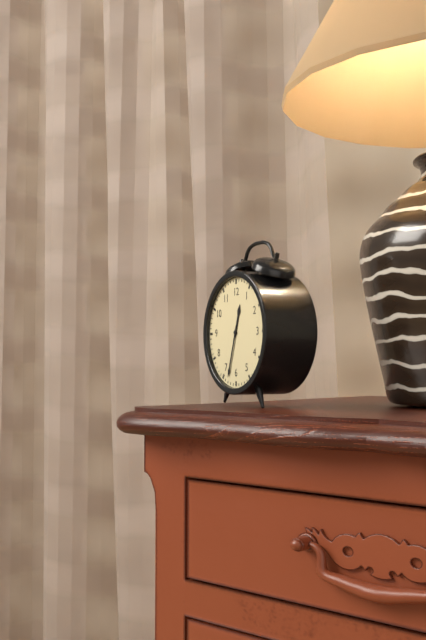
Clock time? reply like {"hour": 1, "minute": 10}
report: {"hour": 12, "minute": 33}
